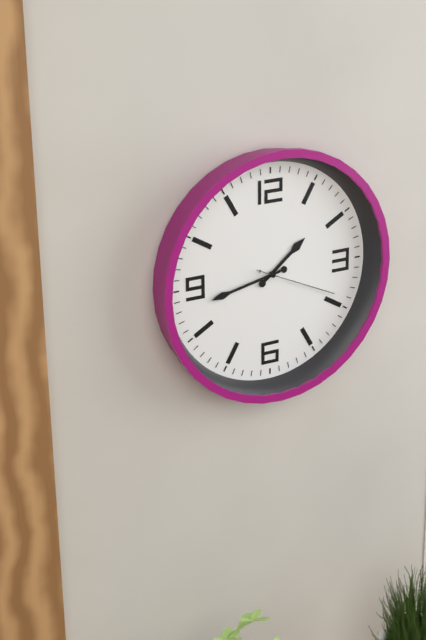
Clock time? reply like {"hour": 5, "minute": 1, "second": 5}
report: {"hour": 1, "minute": 43, "second": 19}
